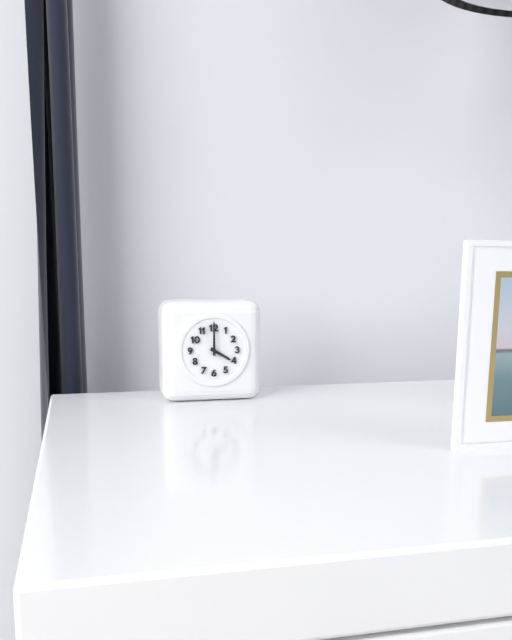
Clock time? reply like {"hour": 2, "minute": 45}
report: {"hour": 4, "minute": 0}
